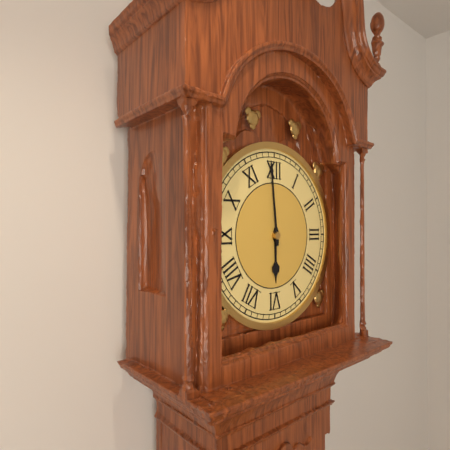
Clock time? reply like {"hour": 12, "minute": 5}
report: {"hour": 5, "minute": 59}
